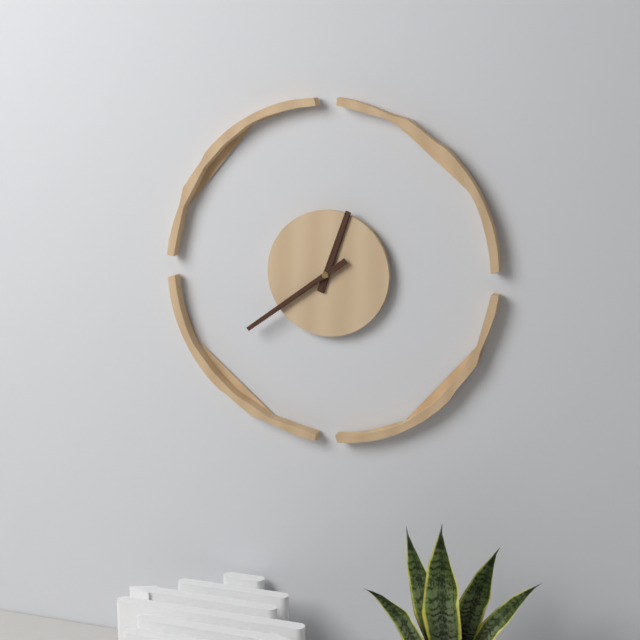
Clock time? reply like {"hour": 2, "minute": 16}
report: {"hour": 12, "minute": 39}
